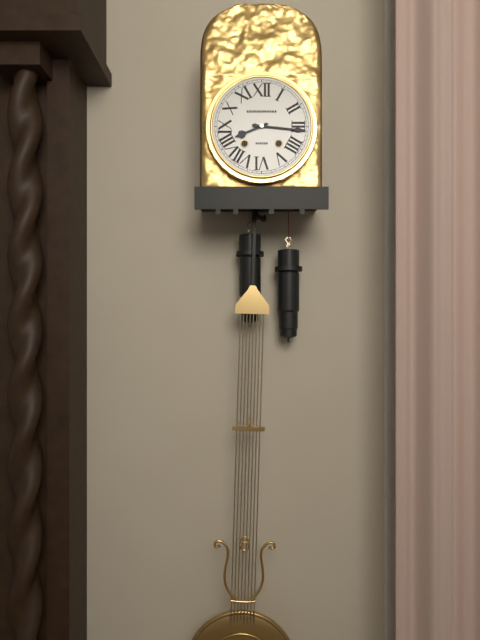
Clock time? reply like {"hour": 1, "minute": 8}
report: {"hour": 8, "minute": 16}
